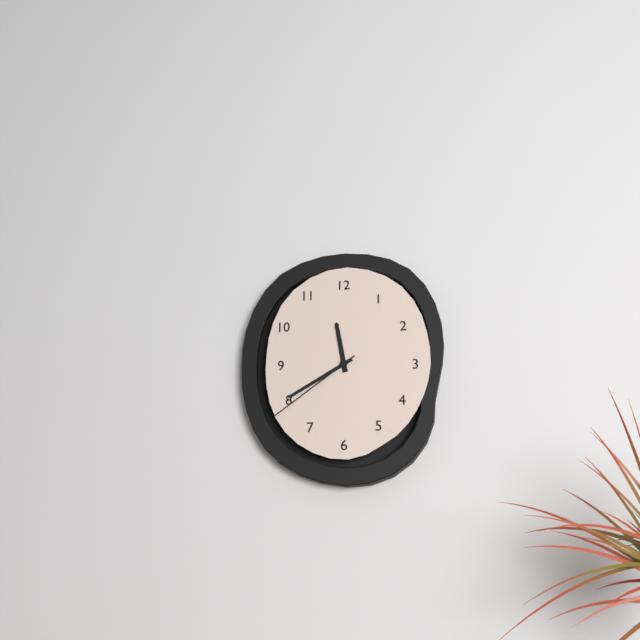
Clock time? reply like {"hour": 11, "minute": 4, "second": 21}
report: {"hour": 11, "minute": 40, "second": 39}
